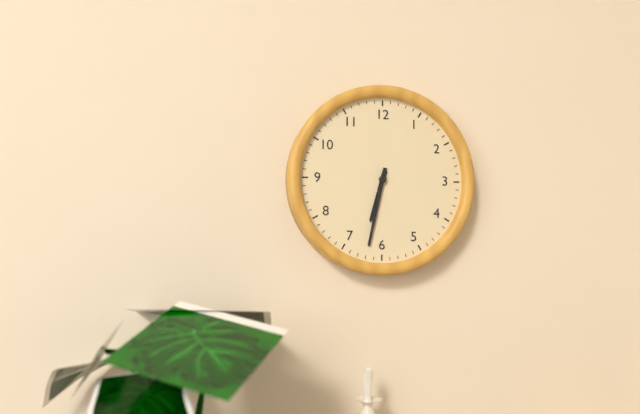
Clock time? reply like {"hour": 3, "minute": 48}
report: {"hour": 6, "minute": 32}
